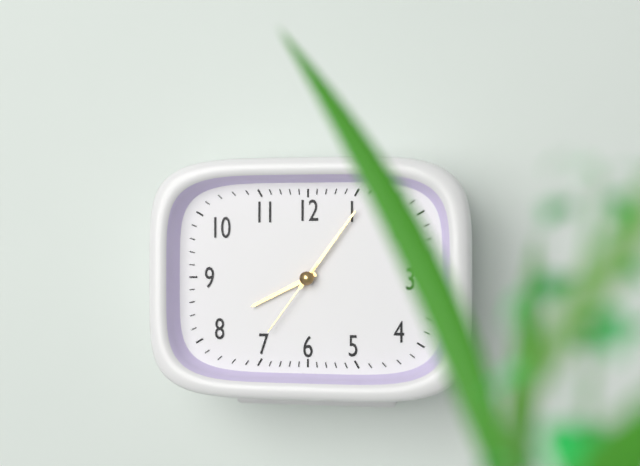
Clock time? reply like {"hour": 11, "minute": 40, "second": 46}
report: {"hour": 8, "minute": 6, "second": 36}
